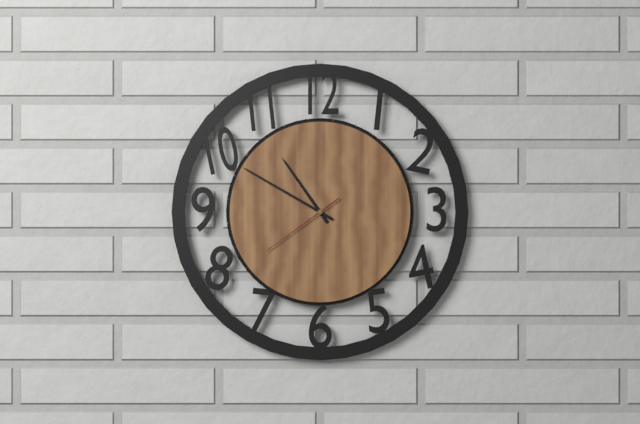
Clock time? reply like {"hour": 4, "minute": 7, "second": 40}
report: {"hour": 10, "minute": 50, "second": 39}
